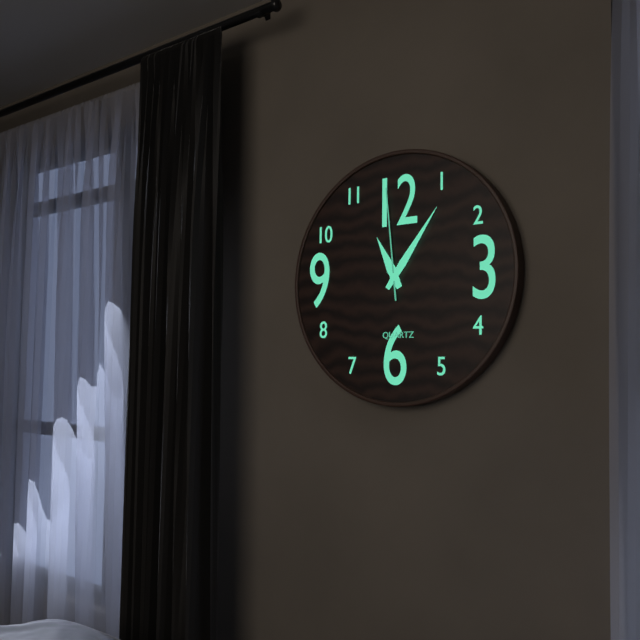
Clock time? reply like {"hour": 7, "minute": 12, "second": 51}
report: {"hour": 11, "minute": 6, "second": 59}
